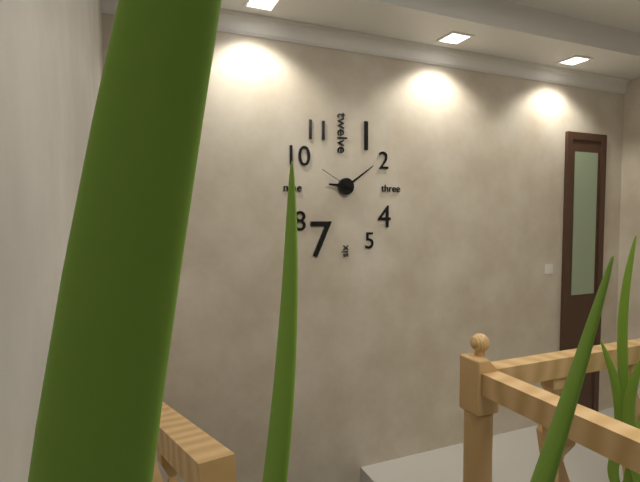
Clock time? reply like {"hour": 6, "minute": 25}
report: {"hour": 9, "minute": 9}
